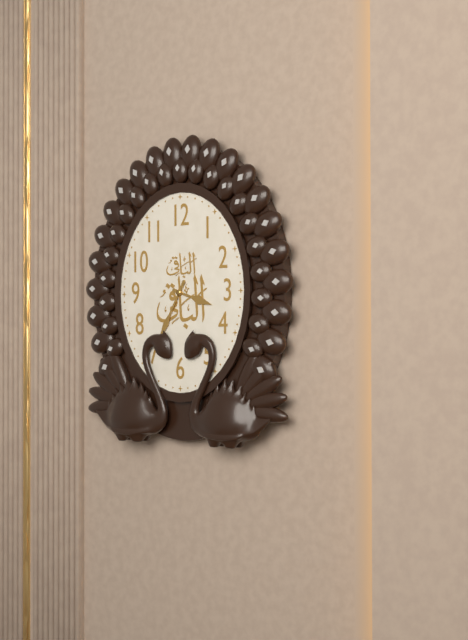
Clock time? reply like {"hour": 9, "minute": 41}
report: {"hour": 3, "minute": 35}
